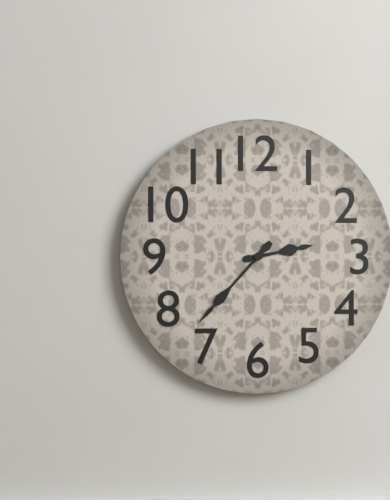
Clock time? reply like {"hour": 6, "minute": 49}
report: {"hour": 2, "minute": 37}
